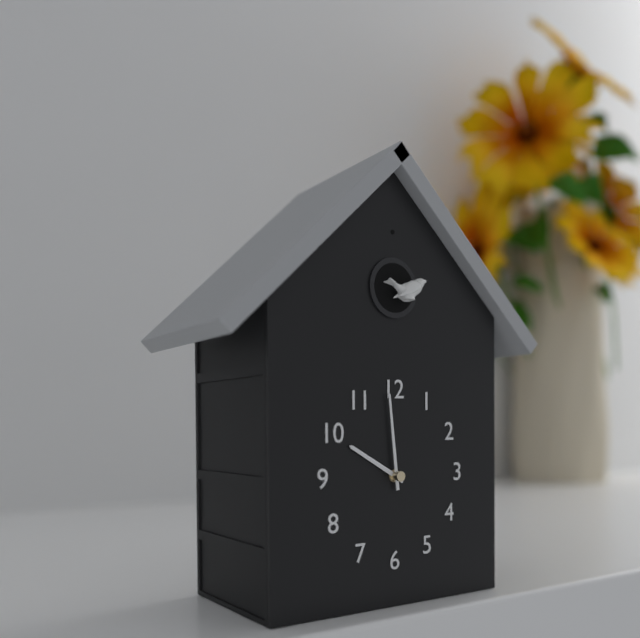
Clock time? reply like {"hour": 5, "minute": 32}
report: {"hour": 9, "minute": 59}
